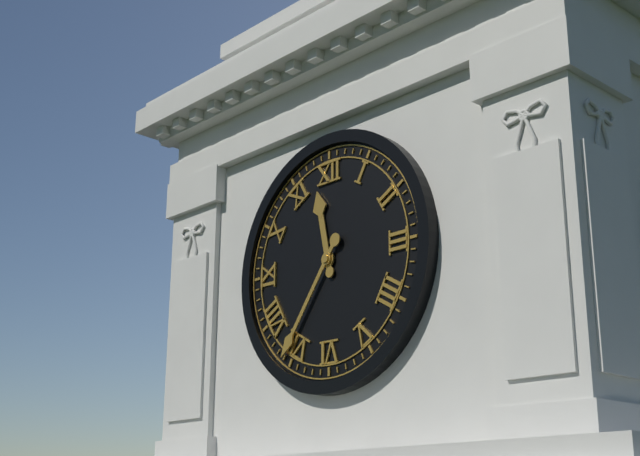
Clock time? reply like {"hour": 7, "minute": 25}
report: {"hour": 11, "minute": 36}
